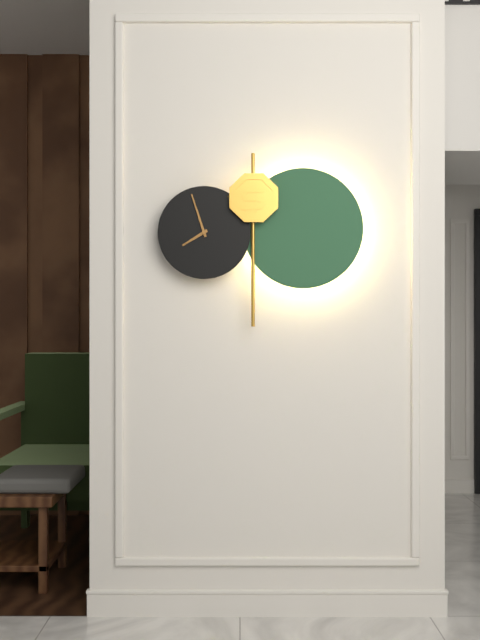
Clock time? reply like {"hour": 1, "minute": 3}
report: {"hour": 7, "minute": 57}
